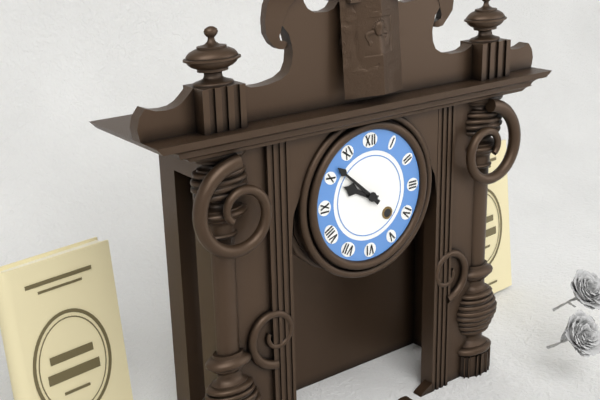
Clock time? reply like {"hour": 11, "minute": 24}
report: {"hour": 9, "minute": 52}
